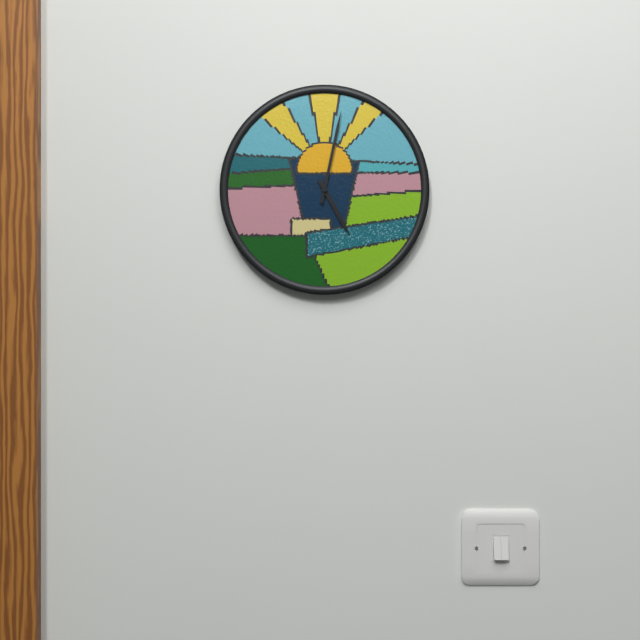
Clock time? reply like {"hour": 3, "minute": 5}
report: {"hour": 5, "minute": 2}
